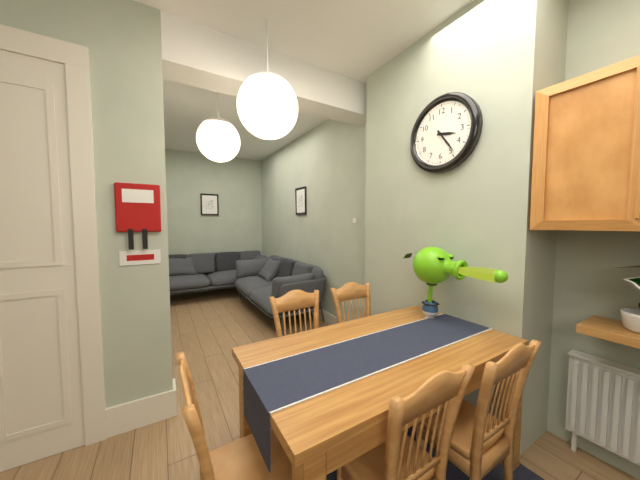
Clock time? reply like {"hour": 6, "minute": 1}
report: {"hour": 3, "minute": 24}
